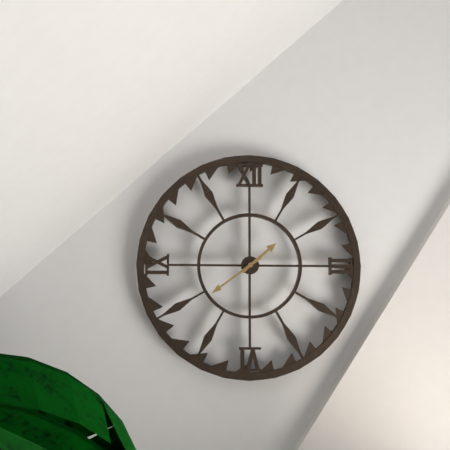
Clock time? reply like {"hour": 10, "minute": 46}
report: {"hour": 1, "minute": 39}
